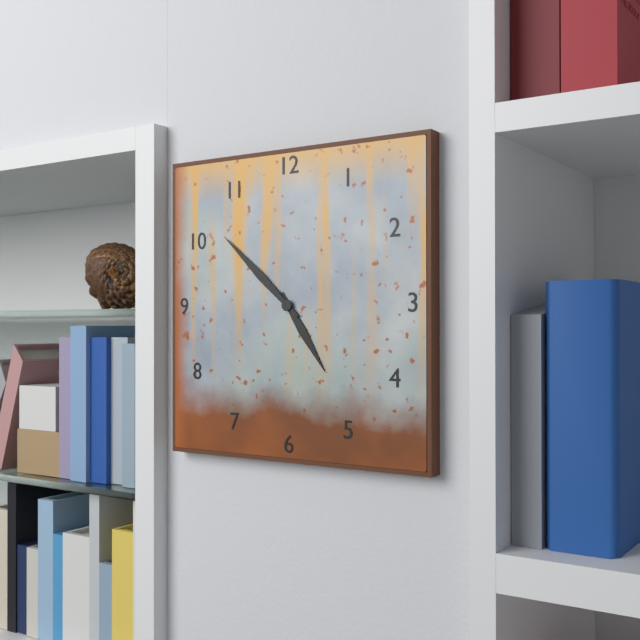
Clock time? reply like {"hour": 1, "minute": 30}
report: {"hour": 4, "minute": 52}
